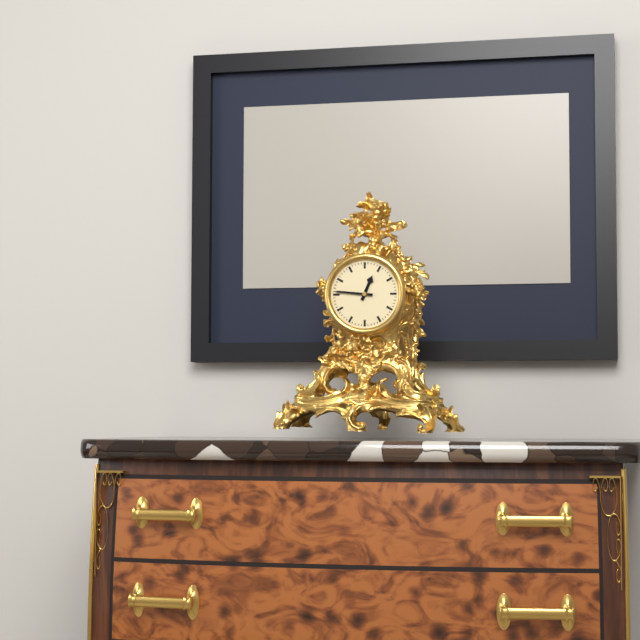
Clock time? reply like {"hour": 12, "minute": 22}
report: {"hour": 12, "minute": 46}
